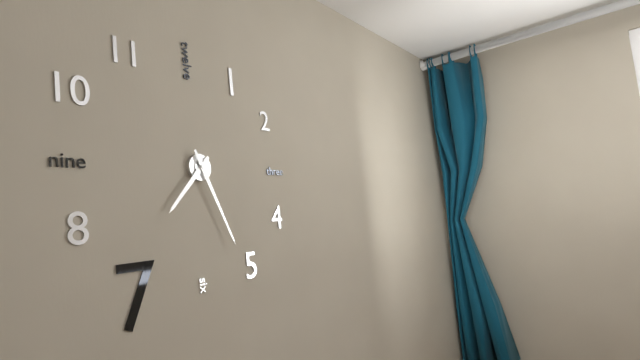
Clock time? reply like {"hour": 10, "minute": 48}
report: {"hour": 7, "minute": 26}
